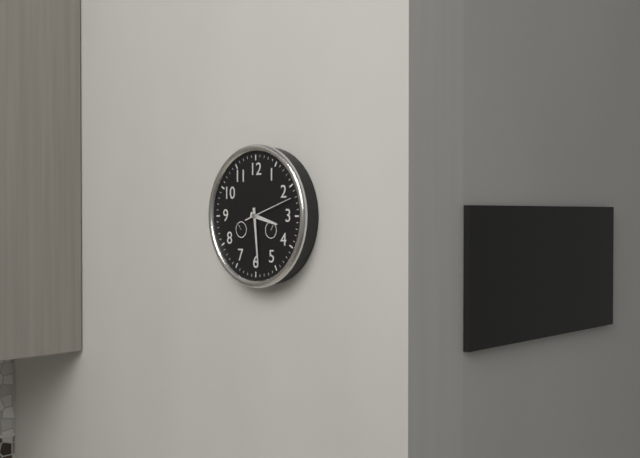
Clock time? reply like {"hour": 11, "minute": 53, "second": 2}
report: {"hour": 3, "minute": 29, "second": 12}
